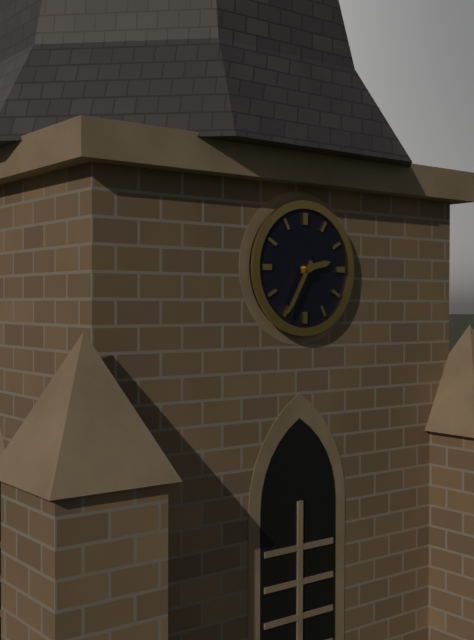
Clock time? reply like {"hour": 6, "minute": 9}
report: {"hour": 2, "minute": 35}
